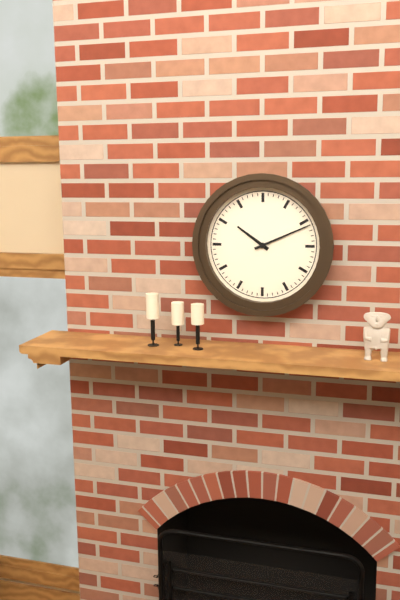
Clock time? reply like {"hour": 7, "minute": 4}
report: {"hour": 10, "minute": 11}
